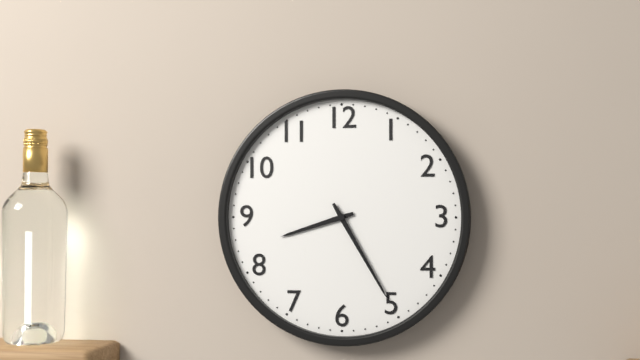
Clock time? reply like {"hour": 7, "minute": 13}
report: {"hour": 8, "minute": 25}
